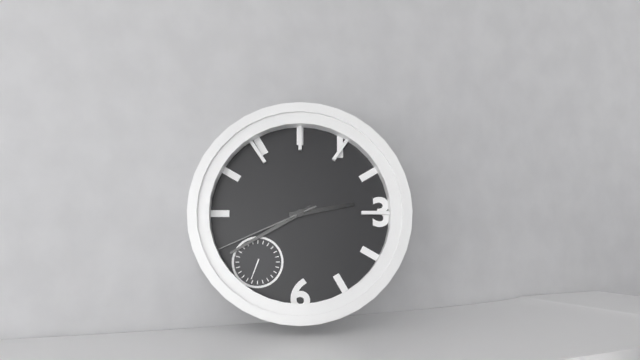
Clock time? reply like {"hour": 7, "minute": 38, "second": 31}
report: {"hour": 2, "minute": 40, "second": 41}
